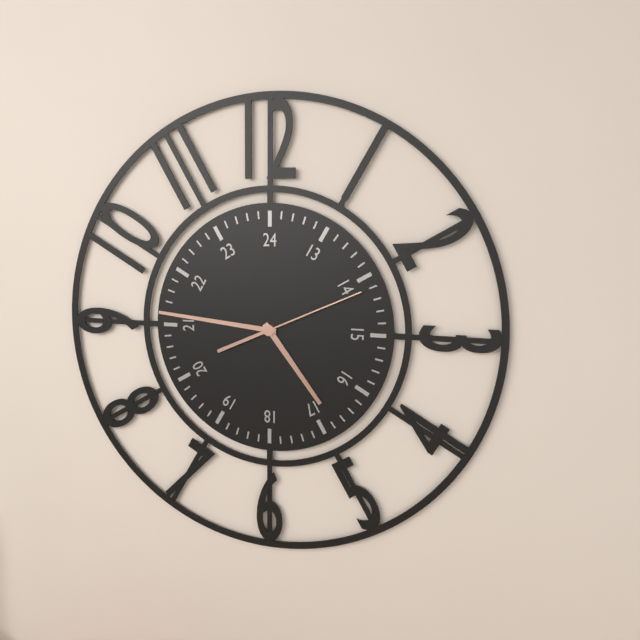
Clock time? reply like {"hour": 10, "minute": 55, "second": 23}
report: {"hour": 4, "minute": 46, "second": 11}
